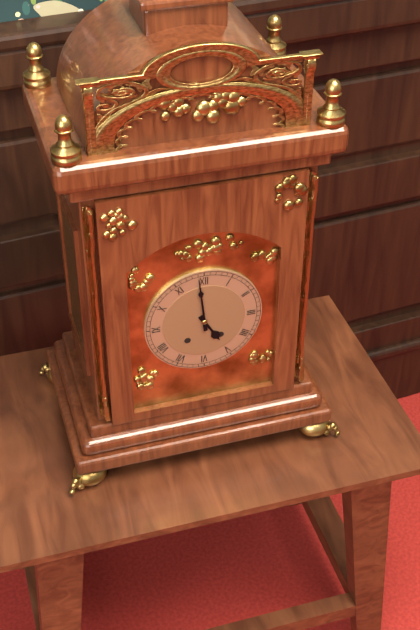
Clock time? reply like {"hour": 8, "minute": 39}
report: {"hour": 4, "minute": 59}
